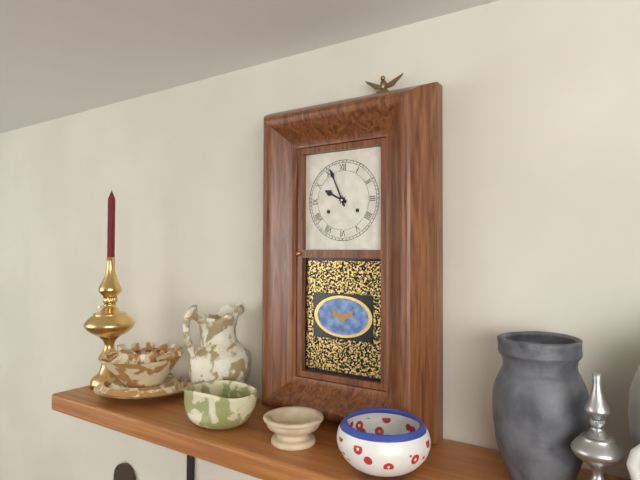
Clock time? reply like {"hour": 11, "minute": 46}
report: {"hour": 9, "minute": 56}
